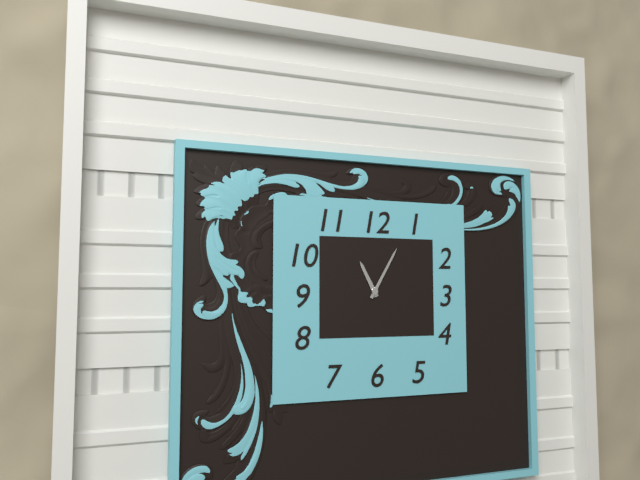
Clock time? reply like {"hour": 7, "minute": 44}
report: {"hour": 11, "minute": 5}
